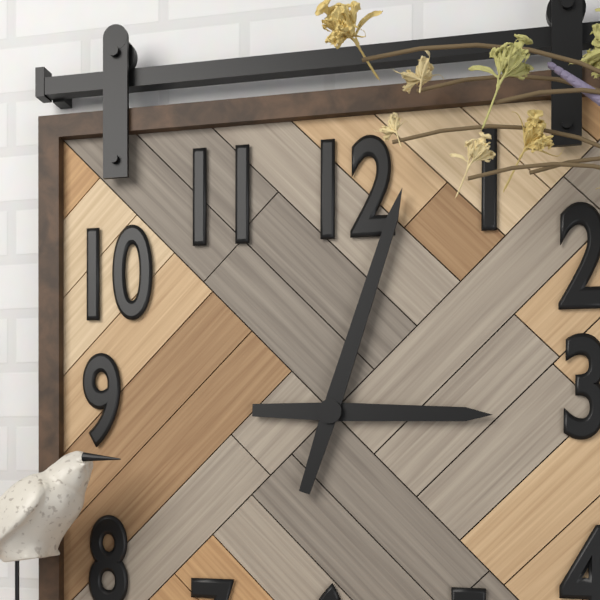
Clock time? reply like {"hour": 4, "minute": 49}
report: {"hour": 3, "minute": 3}
